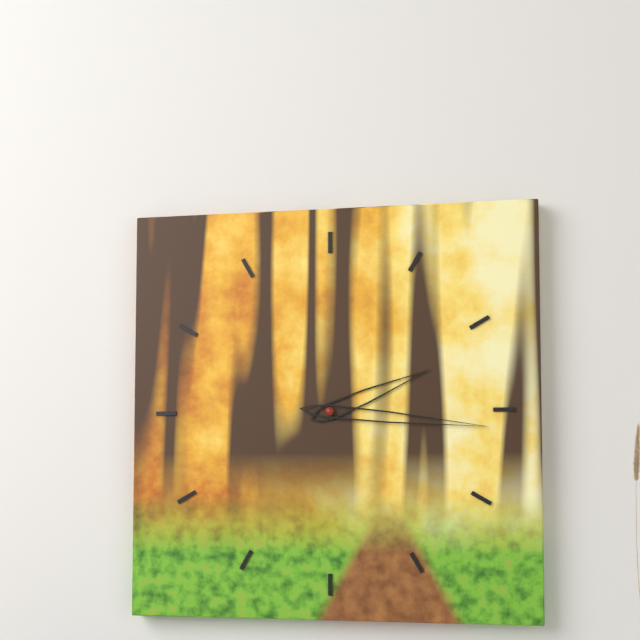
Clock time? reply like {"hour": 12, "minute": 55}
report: {"hour": 2, "minute": 16}
